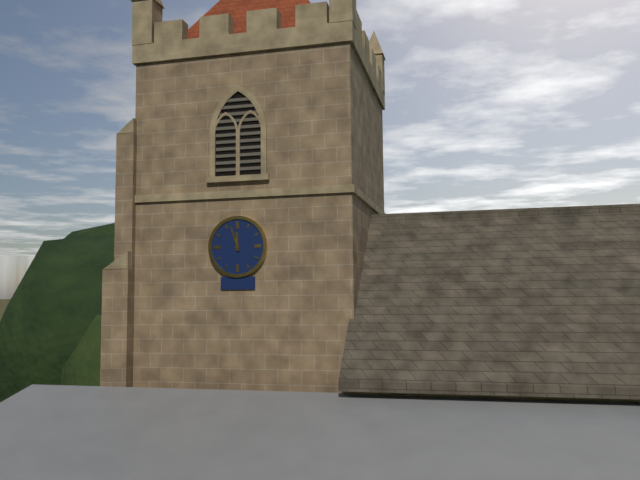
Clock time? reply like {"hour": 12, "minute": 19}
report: {"hour": 11, "minute": 57}
